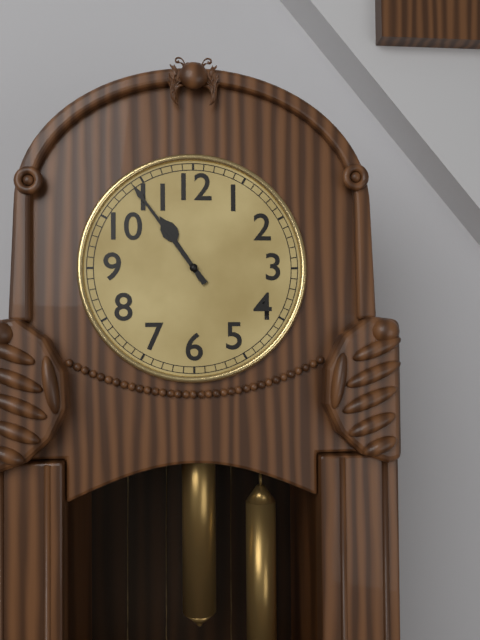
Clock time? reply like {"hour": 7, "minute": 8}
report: {"hour": 10, "minute": 54}
